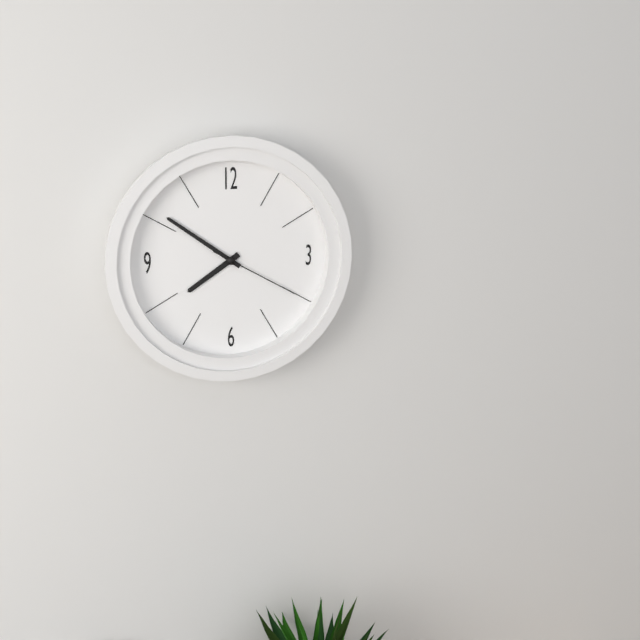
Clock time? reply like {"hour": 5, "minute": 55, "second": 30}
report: {"hour": 7, "minute": 51, "second": 20}
